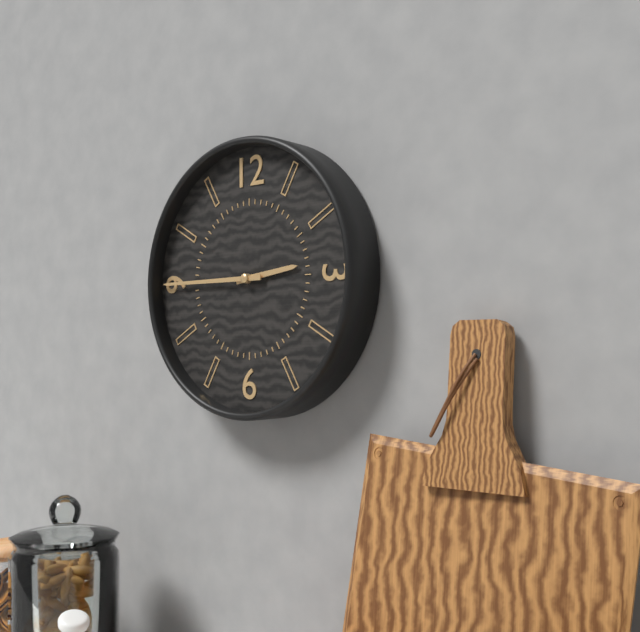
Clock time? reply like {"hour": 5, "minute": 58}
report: {"hour": 2, "minute": 45}
